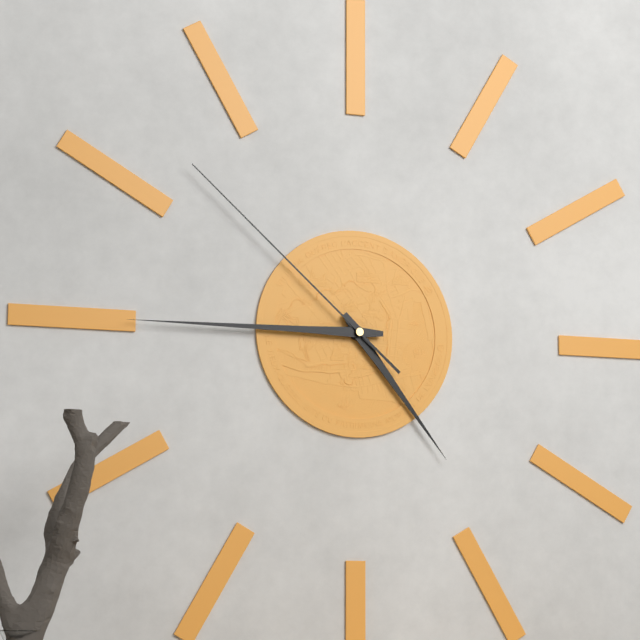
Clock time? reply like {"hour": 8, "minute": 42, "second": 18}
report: {"hour": 4, "minute": 45, "second": 52}
